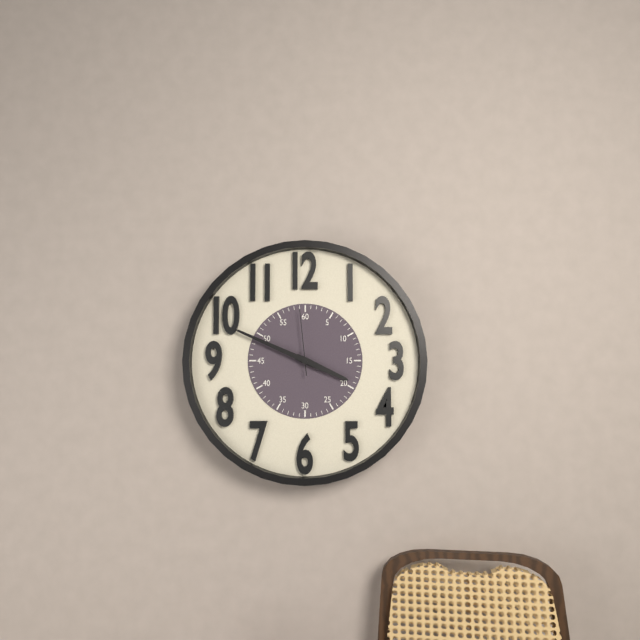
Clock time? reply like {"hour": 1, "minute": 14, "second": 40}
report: {"hour": 3, "minute": 49, "second": 59}
